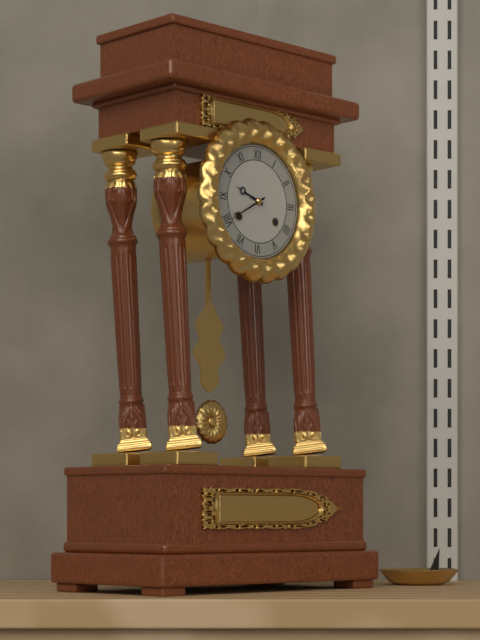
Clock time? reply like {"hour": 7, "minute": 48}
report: {"hour": 9, "minute": 40}
